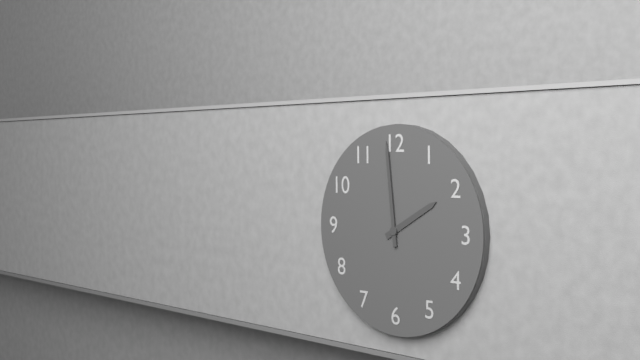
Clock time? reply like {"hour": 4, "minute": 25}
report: {"hour": 1, "minute": 59}
